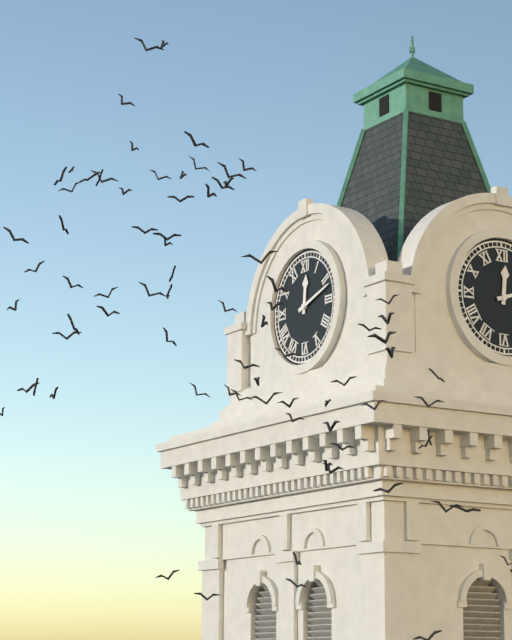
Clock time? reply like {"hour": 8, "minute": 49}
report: {"hour": 12, "minute": 12}
